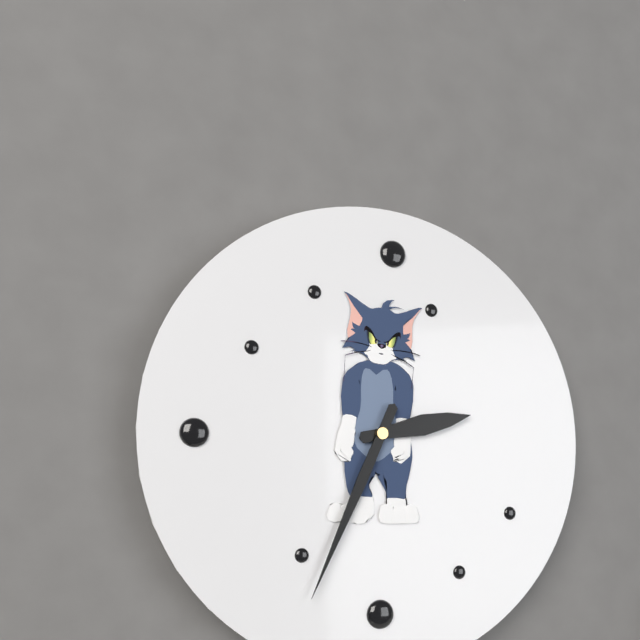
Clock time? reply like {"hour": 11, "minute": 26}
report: {"hour": 2, "minute": 34}
